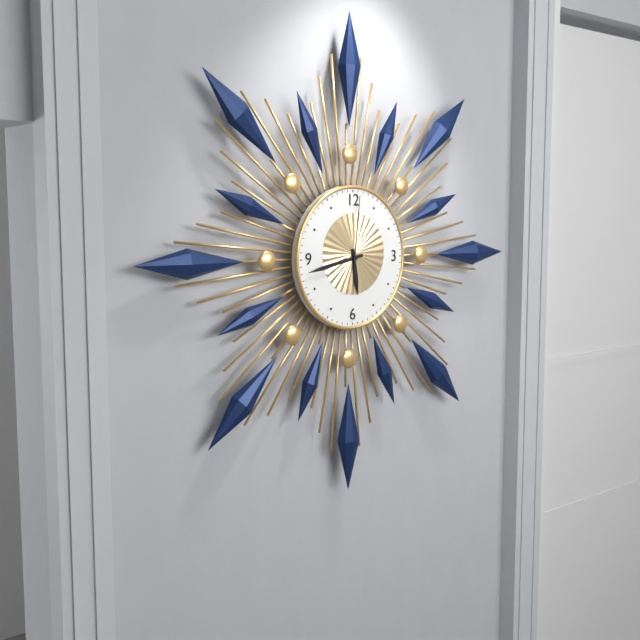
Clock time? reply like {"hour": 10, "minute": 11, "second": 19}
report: {"hour": 5, "minute": 43, "second": 1}
